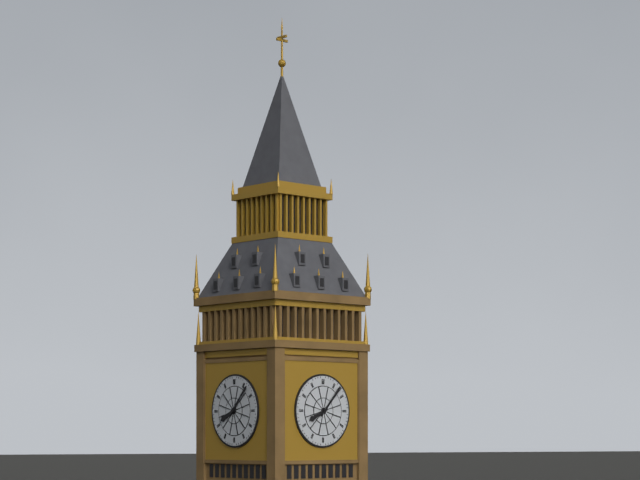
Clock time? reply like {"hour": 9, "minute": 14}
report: {"hour": 8, "minute": 7}
